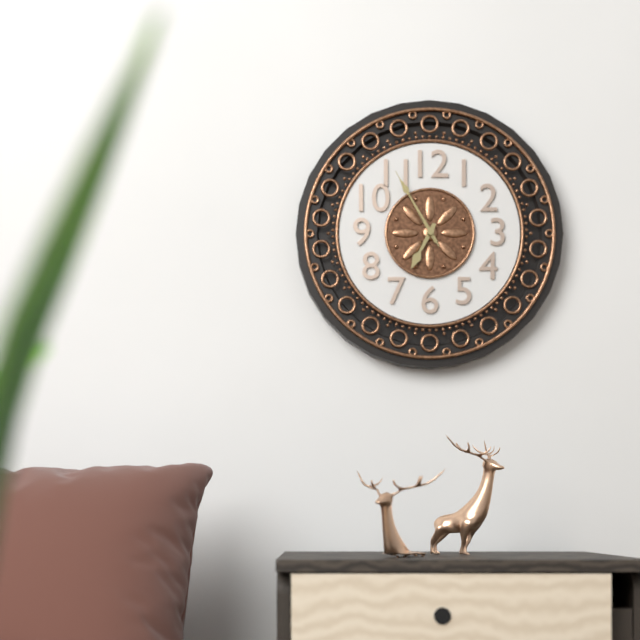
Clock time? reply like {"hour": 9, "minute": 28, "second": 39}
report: {"hour": 6, "minute": 55, "second": 55}
